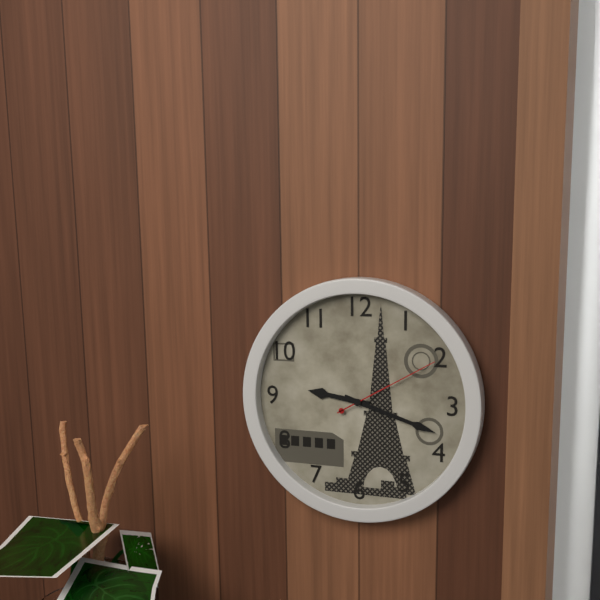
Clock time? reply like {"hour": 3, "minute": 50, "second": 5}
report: {"hour": 9, "minute": 18, "second": 10}
